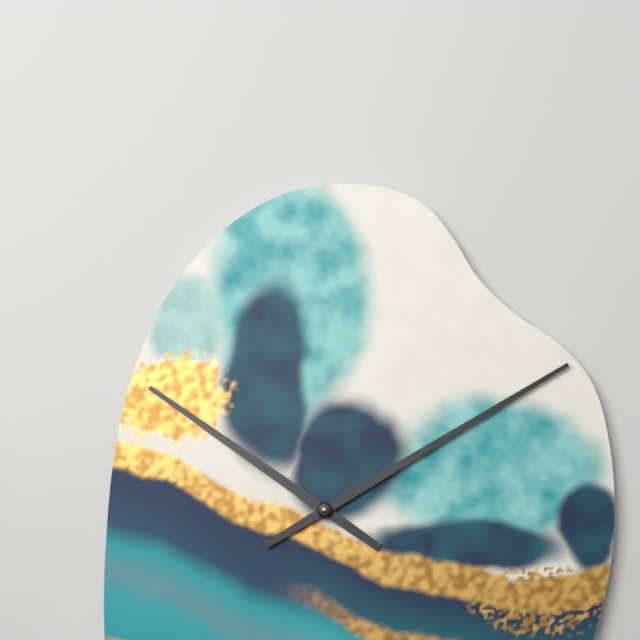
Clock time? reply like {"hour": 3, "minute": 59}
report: {"hour": 10, "minute": 10}
